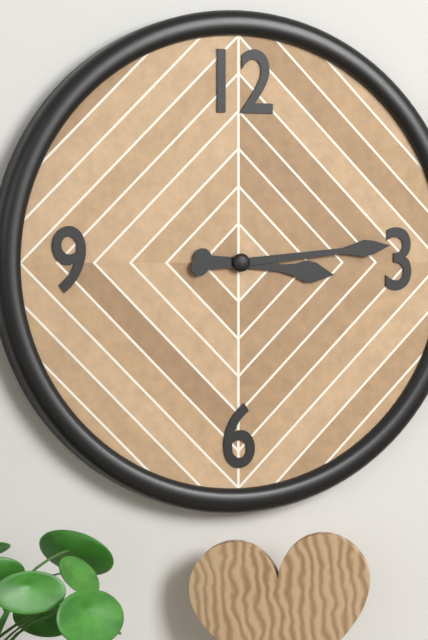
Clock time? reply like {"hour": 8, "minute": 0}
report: {"hour": 3, "minute": 14}
